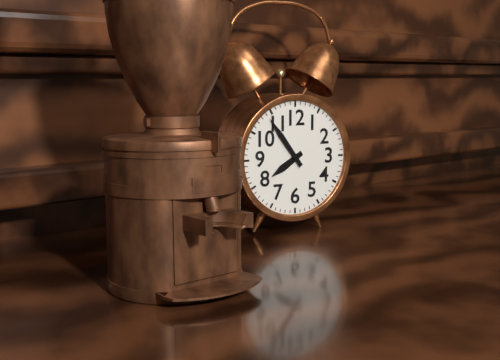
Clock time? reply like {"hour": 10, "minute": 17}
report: {"hour": 7, "minute": 54}
